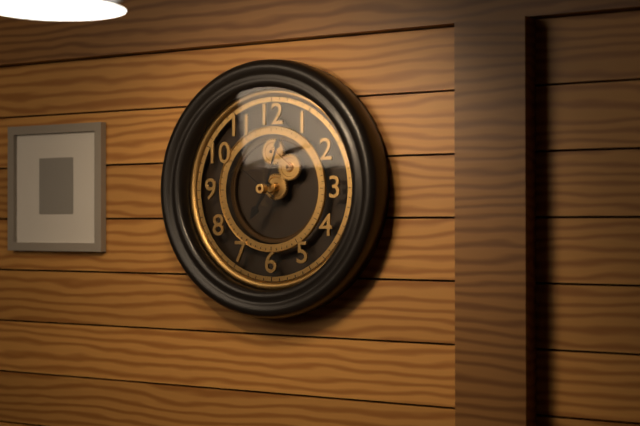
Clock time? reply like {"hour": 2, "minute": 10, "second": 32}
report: {"hour": 7, "minute": 3, "second": 51}
